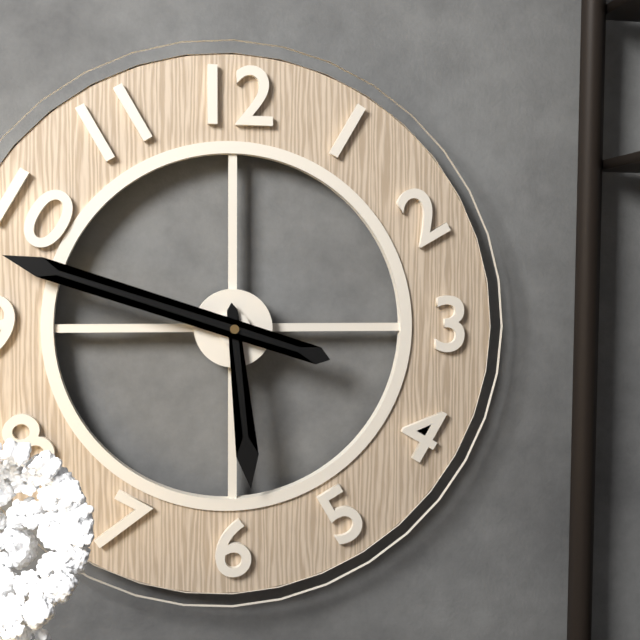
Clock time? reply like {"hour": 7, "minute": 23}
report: {"hour": 5, "minute": 48}
